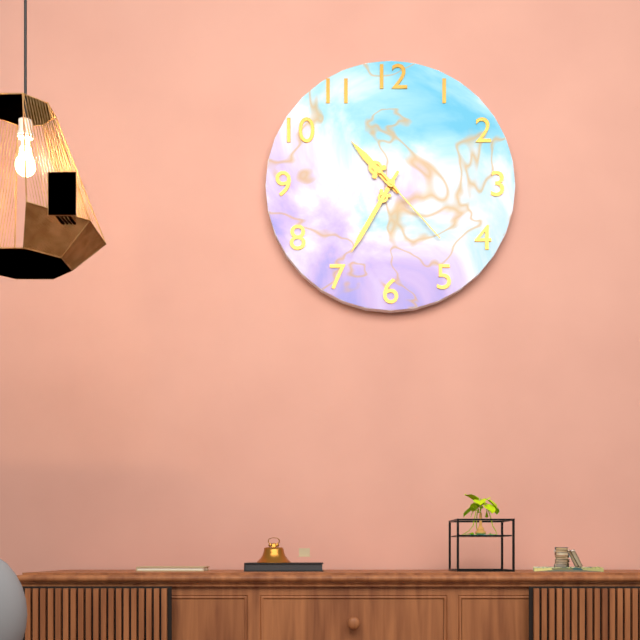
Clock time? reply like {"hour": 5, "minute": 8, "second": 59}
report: {"hour": 10, "minute": 35, "second": 23}
